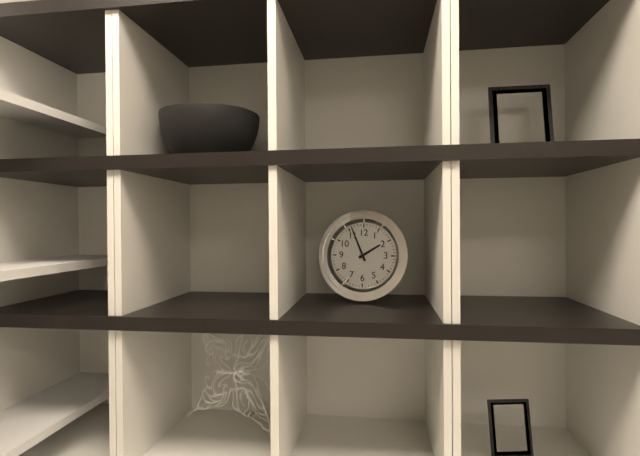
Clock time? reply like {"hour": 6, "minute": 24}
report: {"hour": 1, "minute": 56}
